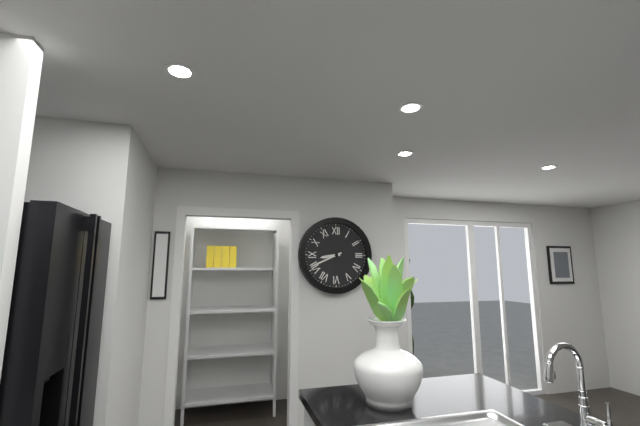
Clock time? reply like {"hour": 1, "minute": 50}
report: {"hour": 8, "minute": 41}
